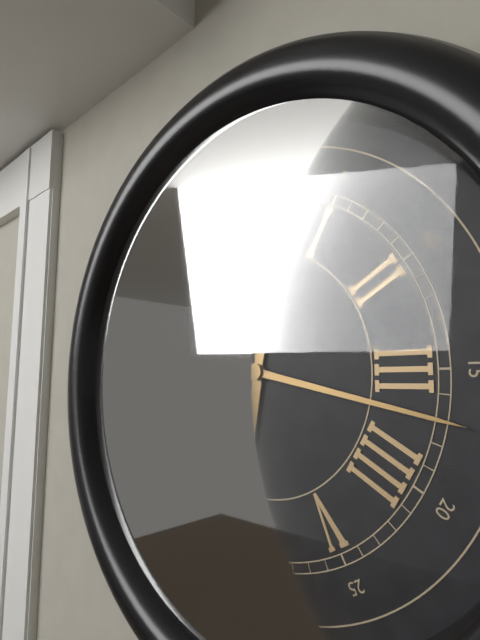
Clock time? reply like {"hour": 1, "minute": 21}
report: {"hour": 6, "minute": 17}
